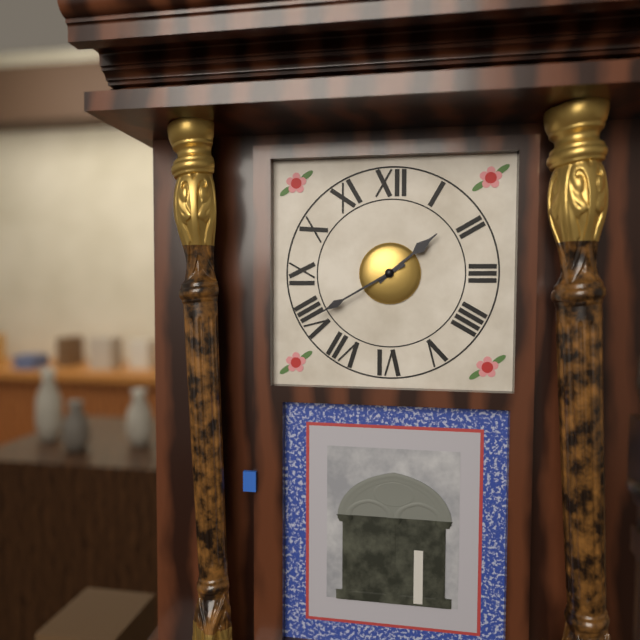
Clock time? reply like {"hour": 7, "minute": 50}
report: {"hour": 1, "minute": 40}
